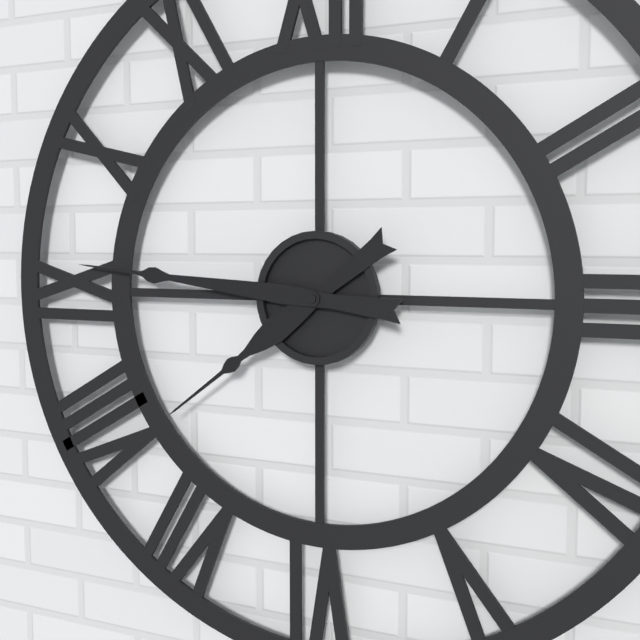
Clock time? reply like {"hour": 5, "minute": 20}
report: {"hour": 7, "minute": 46}
